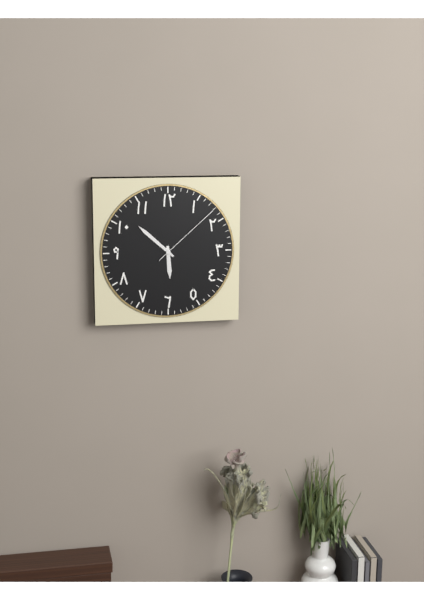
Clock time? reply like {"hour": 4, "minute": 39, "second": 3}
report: {"hour": 5, "minute": 52, "second": 8}
